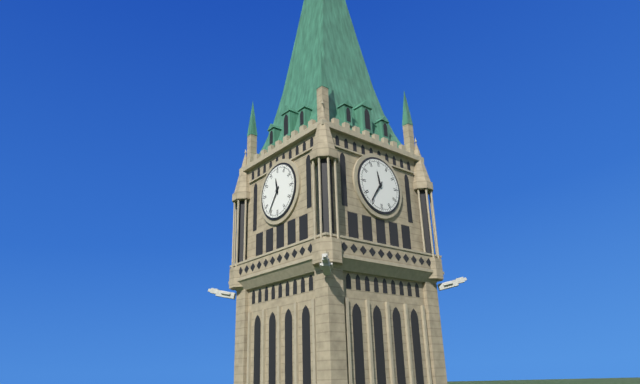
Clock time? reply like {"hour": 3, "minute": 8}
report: {"hour": 11, "minute": 36}
